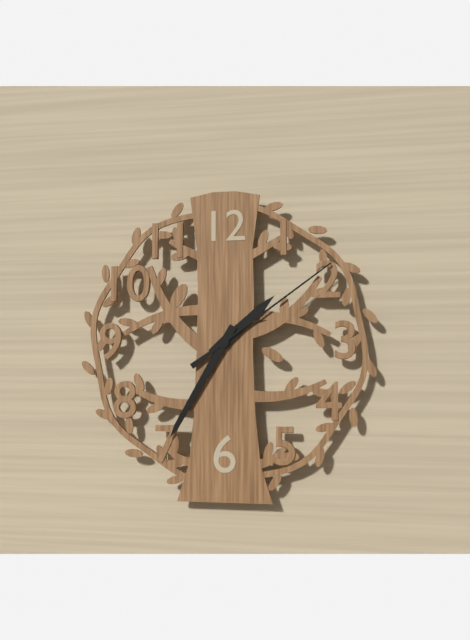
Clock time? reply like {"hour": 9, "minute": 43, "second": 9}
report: {"hour": 1, "minute": 35, "second": 9}
